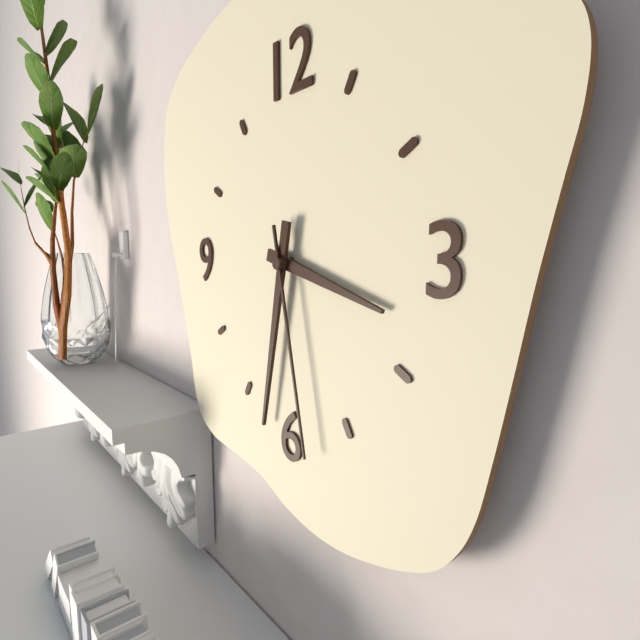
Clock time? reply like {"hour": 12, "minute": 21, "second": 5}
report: {"hour": 3, "minute": 32, "second": 28}
